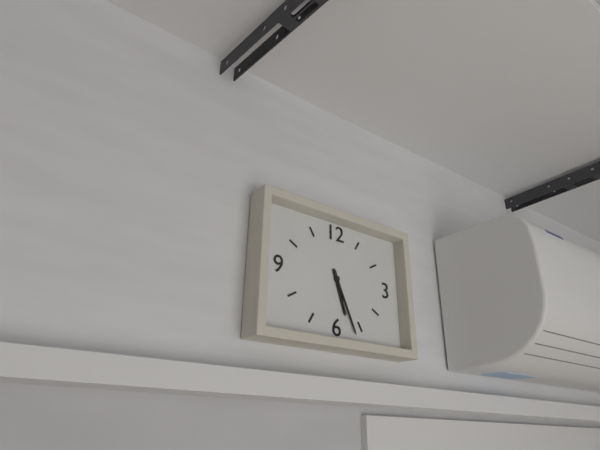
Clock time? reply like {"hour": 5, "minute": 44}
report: {"hour": 5, "minute": 26}
